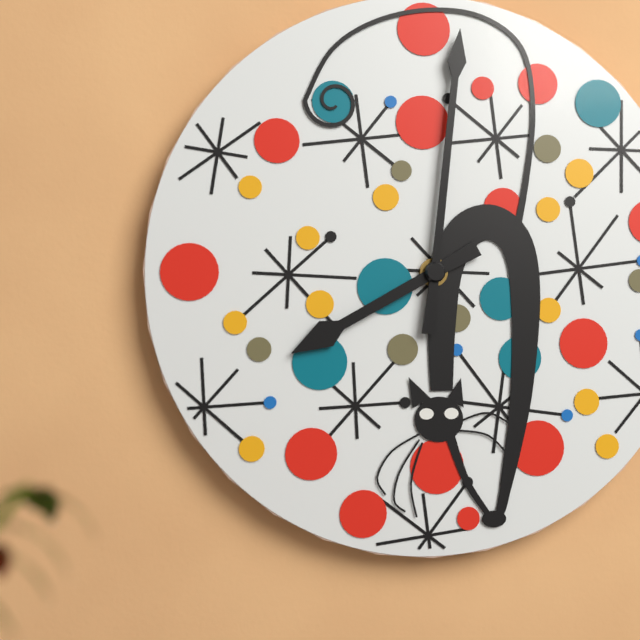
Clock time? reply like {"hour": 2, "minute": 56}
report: {"hour": 8, "minute": 1}
